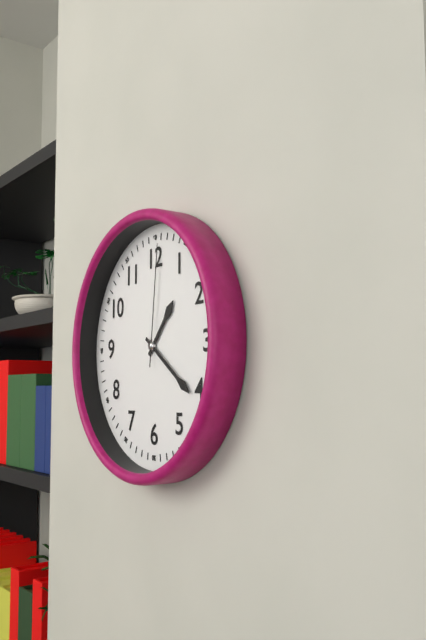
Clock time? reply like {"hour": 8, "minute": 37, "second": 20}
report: {"hour": 1, "minute": 21, "second": 1}
